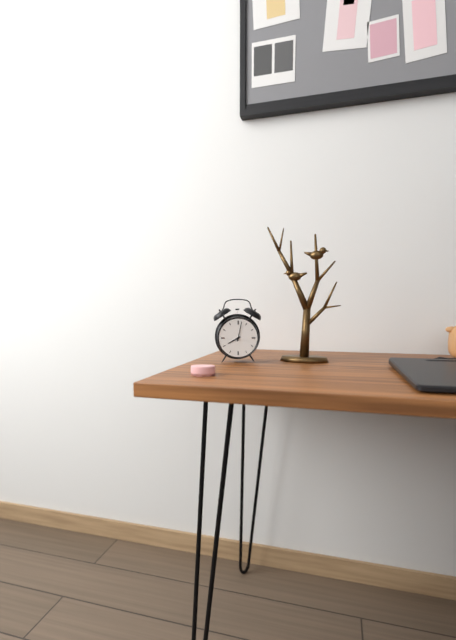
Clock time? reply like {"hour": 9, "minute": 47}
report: {"hour": 8, "minute": 2}
